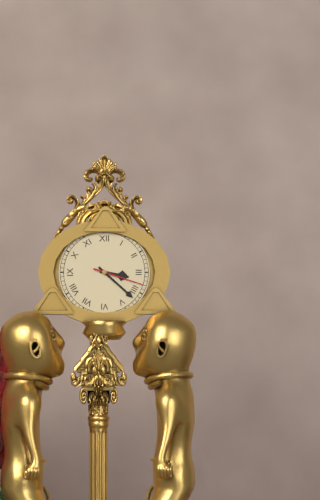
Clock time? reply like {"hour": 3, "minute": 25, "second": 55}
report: {"hour": 3, "minute": 22, "second": 18}
